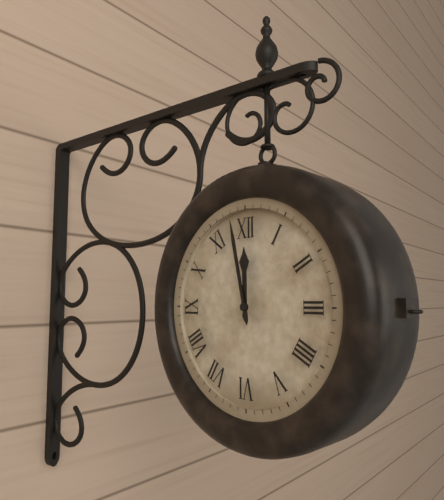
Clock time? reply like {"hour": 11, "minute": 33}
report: {"hour": 11, "minute": 58}
